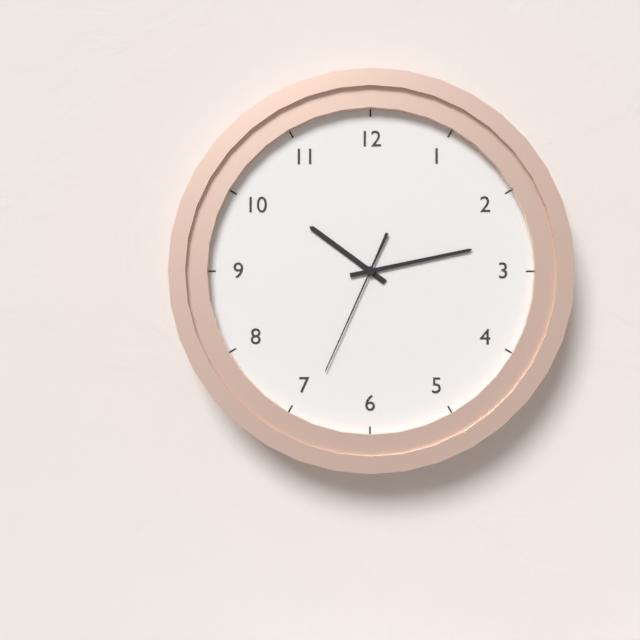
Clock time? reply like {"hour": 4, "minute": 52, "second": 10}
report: {"hour": 10, "minute": 13, "second": 34}
